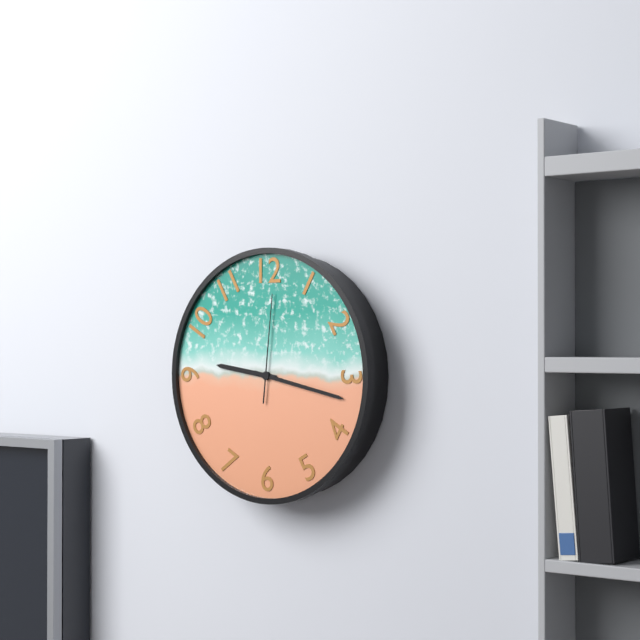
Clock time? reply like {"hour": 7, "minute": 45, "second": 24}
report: {"hour": 9, "minute": 17, "second": 1}
